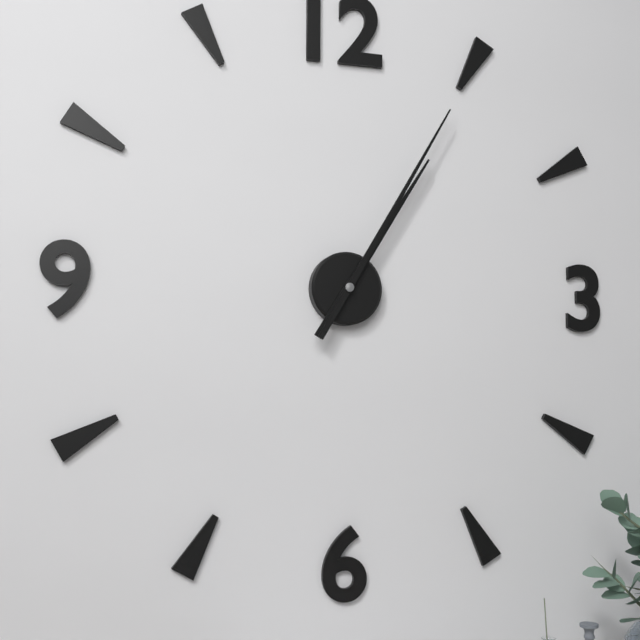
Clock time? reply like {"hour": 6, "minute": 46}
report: {"hour": 1, "minute": 5}
